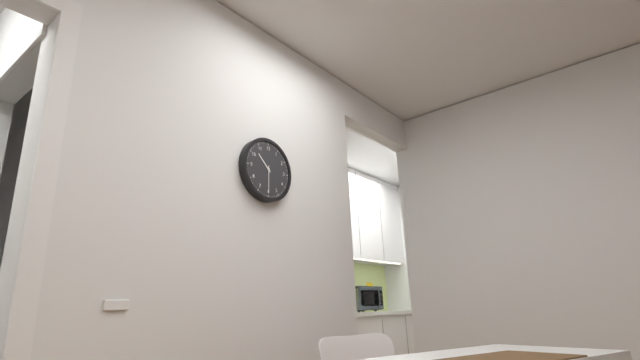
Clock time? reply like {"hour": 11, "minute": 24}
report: {"hour": 10, "minute": 30}
